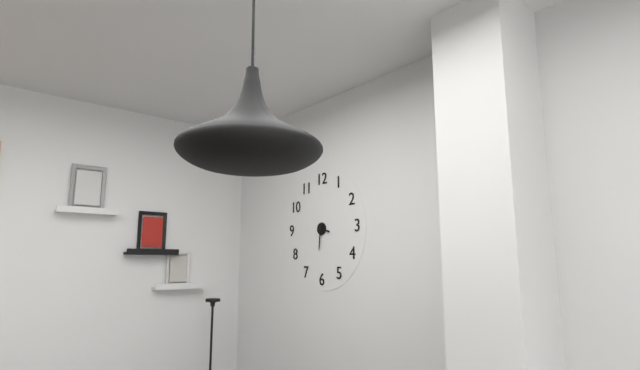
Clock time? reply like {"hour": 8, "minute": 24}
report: {"hour": 3, "minute": 31}
